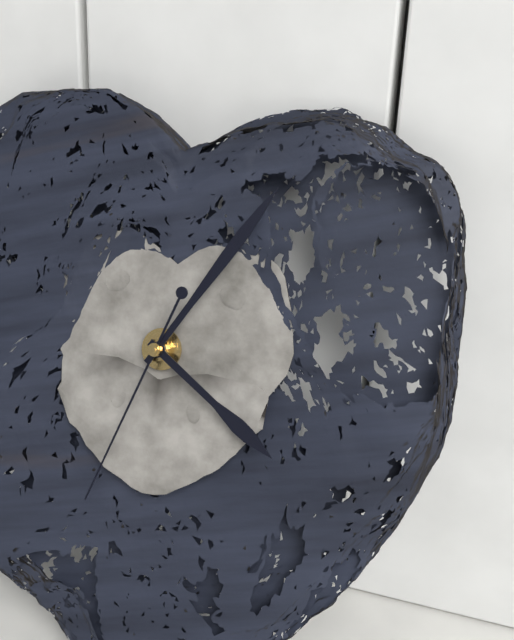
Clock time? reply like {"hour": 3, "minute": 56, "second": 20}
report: {"hour": 4, "minute": 5, "second": 33}
